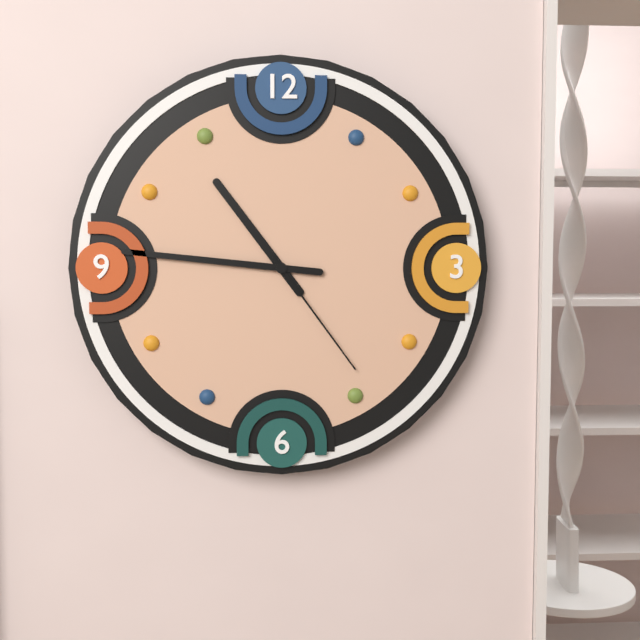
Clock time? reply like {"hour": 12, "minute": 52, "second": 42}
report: {"hour": 10, "minute": 46, "second": 24}
